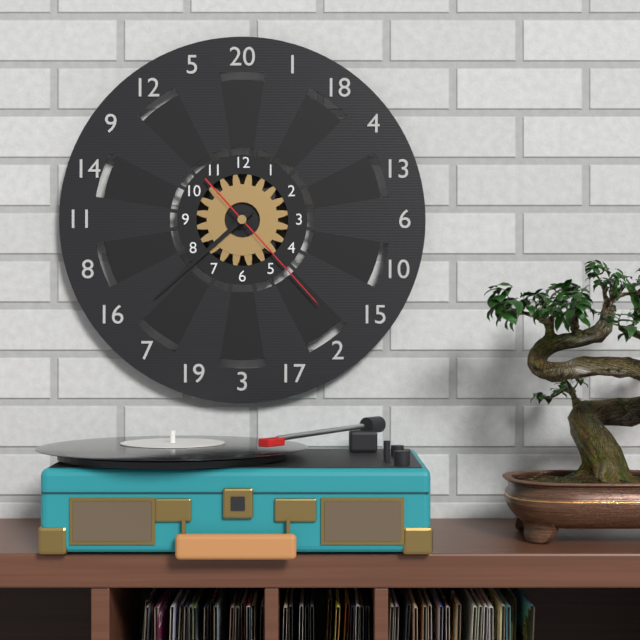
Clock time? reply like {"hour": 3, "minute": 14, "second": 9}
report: {"hour": 7, "minute": 38, "second": 23}
